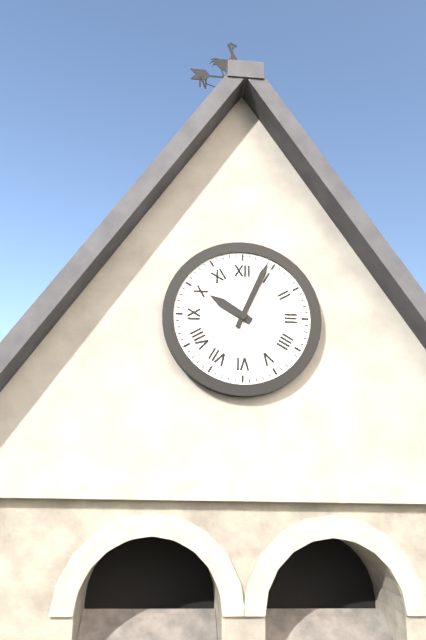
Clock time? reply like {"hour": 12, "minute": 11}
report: {"hour": 10, "minute": 4}
